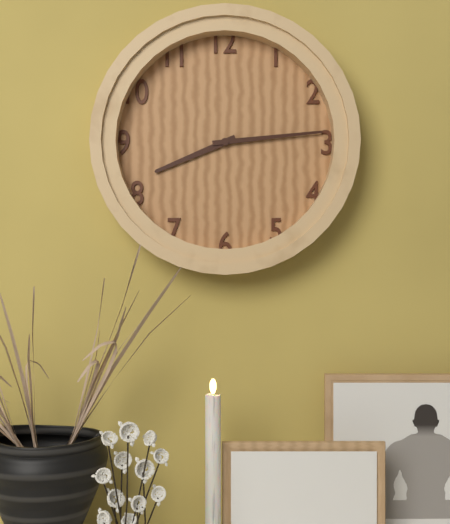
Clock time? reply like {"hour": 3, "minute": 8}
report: {"hour": 8, "minute": 14}
